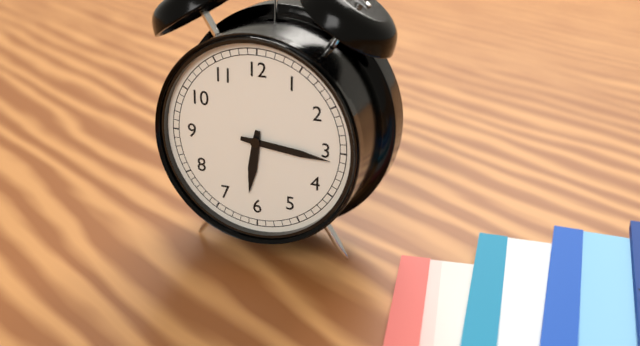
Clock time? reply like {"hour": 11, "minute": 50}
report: {"hour": 6, "minute": 16}
